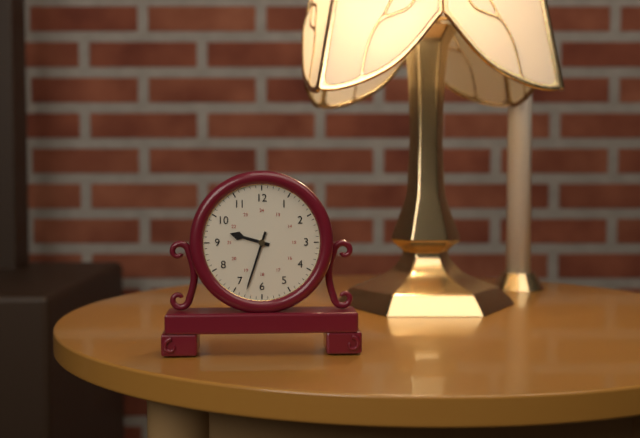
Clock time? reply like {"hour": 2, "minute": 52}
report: {"hour": 9, "minute": 33}
